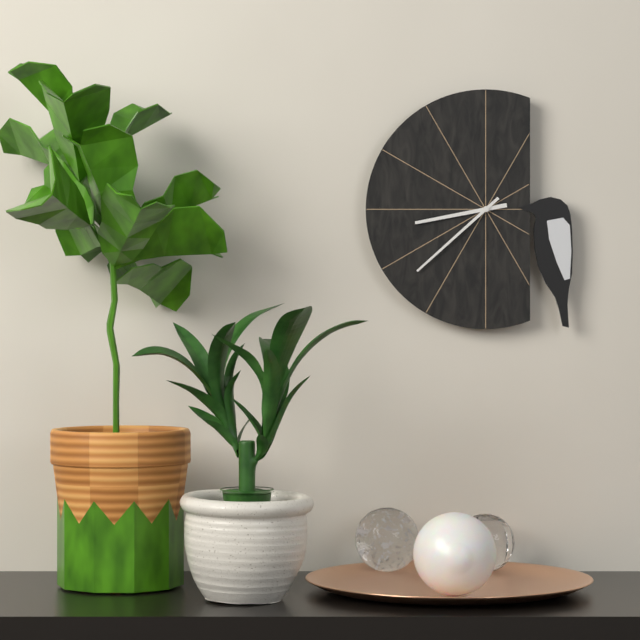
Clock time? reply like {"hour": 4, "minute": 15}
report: {"hour": 8, "minute": 38}
